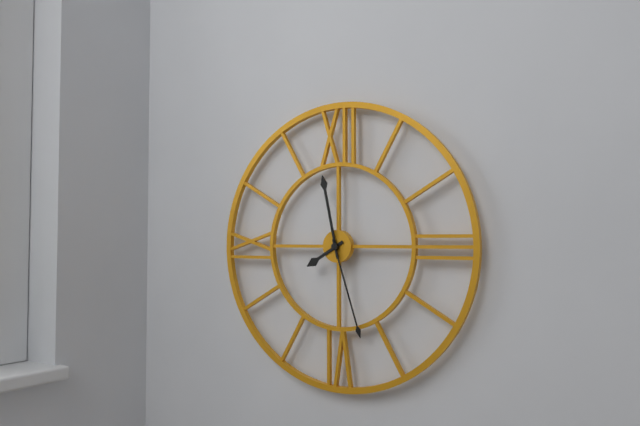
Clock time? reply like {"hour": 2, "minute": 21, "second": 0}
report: {"hour": 7, "minute": 58, "second": 27}
